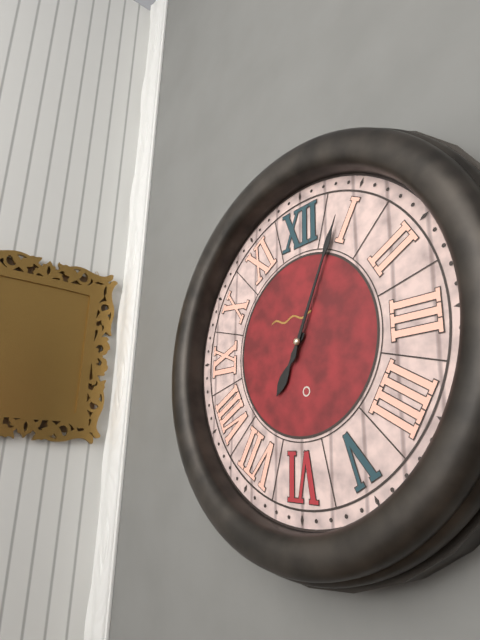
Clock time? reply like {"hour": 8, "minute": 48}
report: {"hour": 7, "minute": 4}
